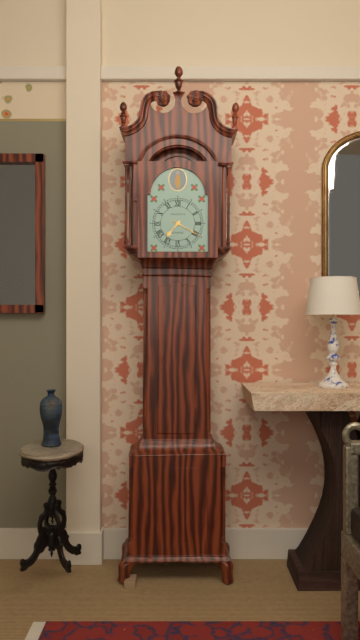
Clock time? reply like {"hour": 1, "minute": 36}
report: {"hour": 7, "minute": 20}
